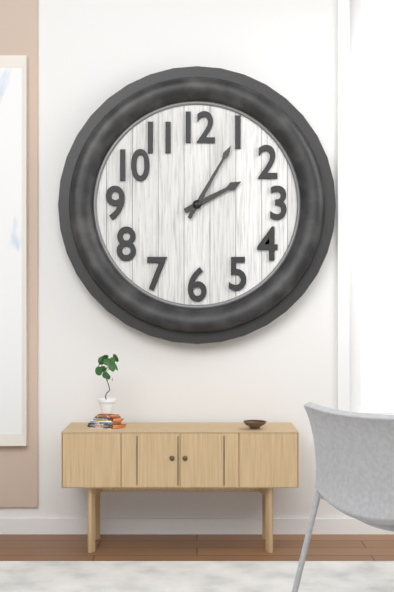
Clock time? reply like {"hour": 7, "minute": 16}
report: {"hour": 2, "minute": 5}
